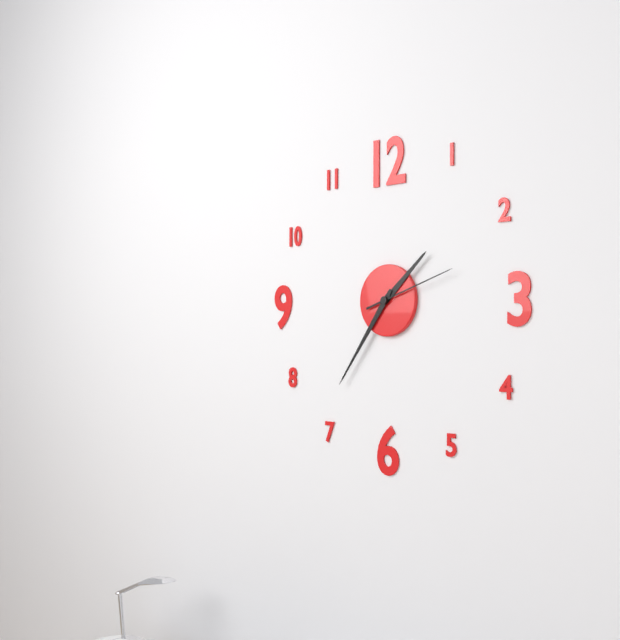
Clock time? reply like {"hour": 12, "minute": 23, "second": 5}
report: {"hour": 1, "minute": 36, "second": 12}
